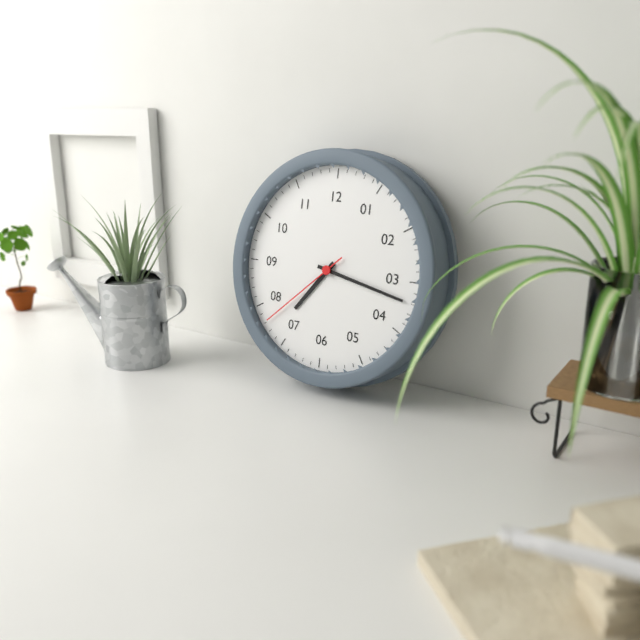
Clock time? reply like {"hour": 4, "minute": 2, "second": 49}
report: {"hour": 7, "minute": 17, "second": 38}
